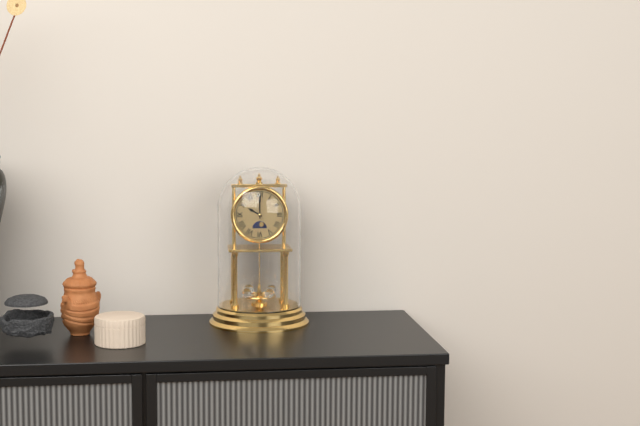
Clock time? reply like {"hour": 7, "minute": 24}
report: {"hour": 10, "minute": 0}
